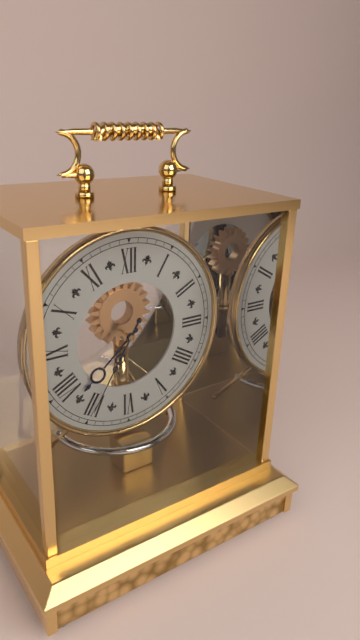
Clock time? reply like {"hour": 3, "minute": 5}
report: {"hour": 7, "minute": 35}
